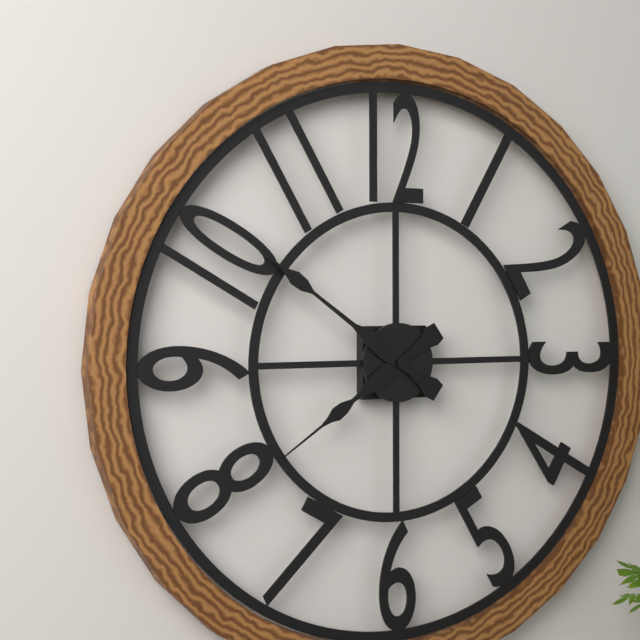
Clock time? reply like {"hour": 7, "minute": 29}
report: {"hour": 7, "minute": 51}
